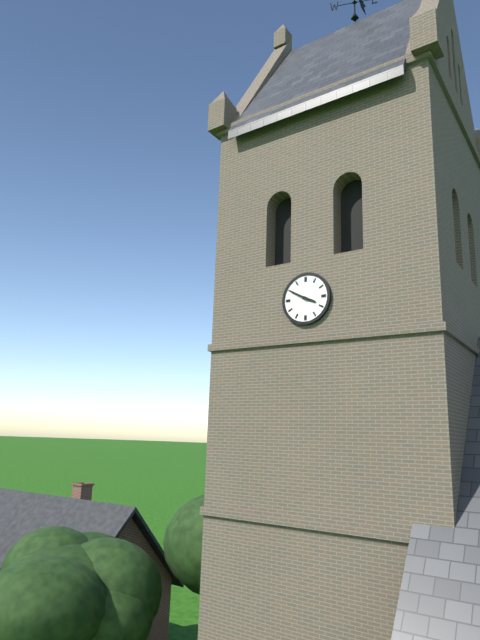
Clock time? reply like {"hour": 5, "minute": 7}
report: {"hour": 3, "minute": 50}
